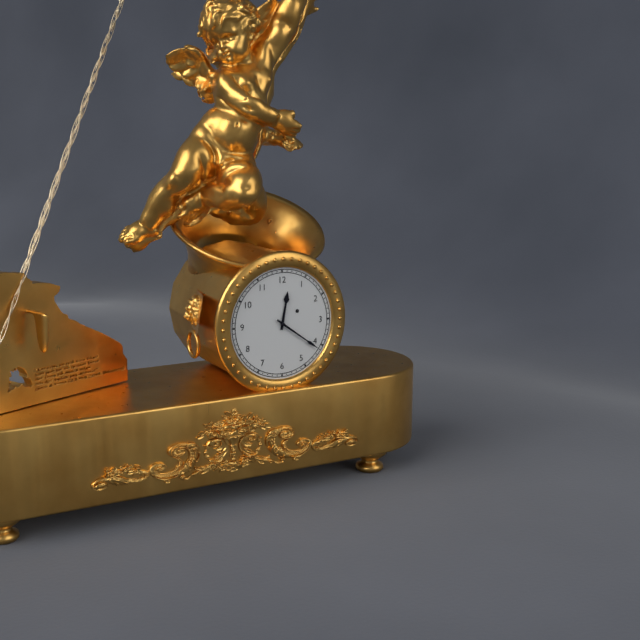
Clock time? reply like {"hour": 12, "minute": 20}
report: {"hour": 12, "minute": 21}
